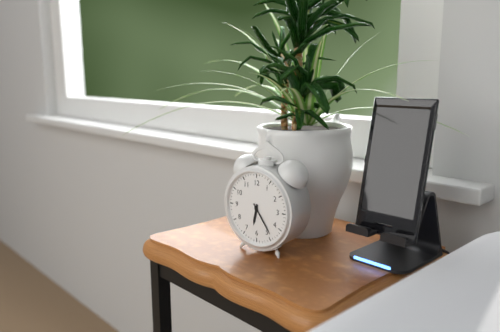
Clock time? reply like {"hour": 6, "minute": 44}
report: {"hour": 6, "minute": 24}
